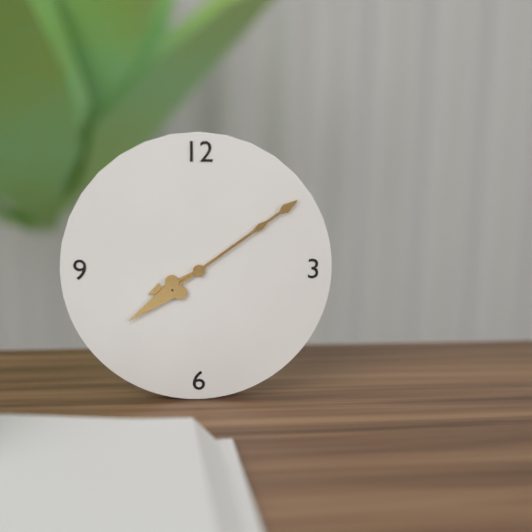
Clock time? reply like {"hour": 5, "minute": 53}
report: {"hour": 8, "minute": 9}
